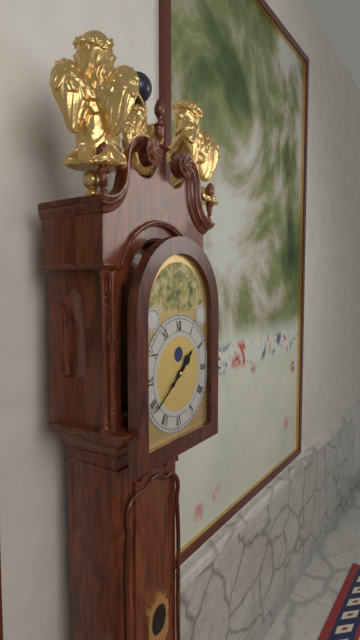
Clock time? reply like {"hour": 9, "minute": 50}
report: {"hour": 1, "minute": 39}
